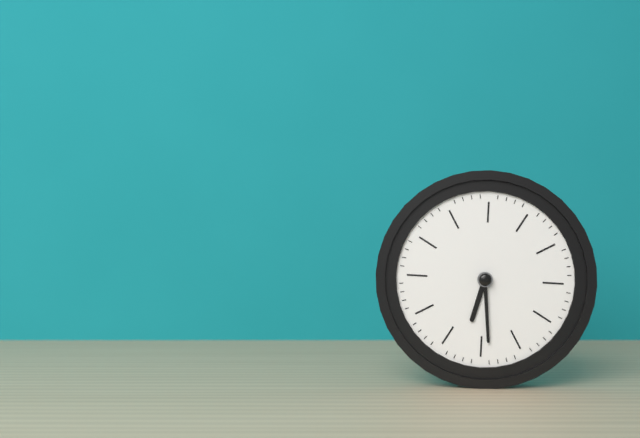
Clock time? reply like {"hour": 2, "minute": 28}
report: {"hour": 6, "minute": 29}
